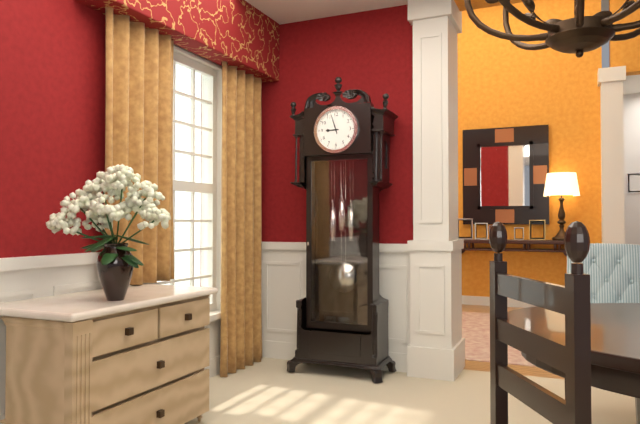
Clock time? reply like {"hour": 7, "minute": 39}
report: {"hour": 8, "minute": 57}
